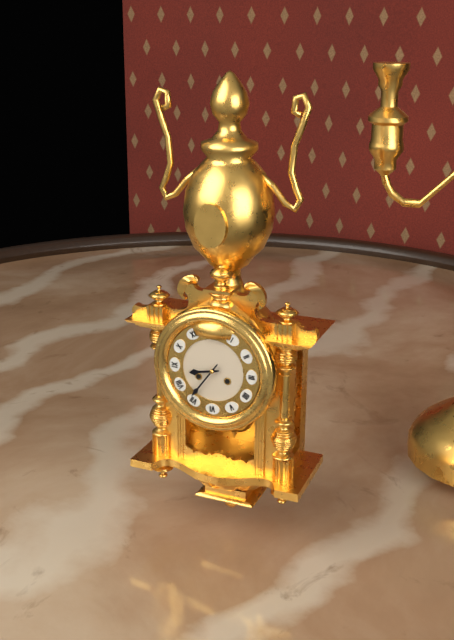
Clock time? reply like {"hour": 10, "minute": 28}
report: {"hour": 8, "minute": 36}
